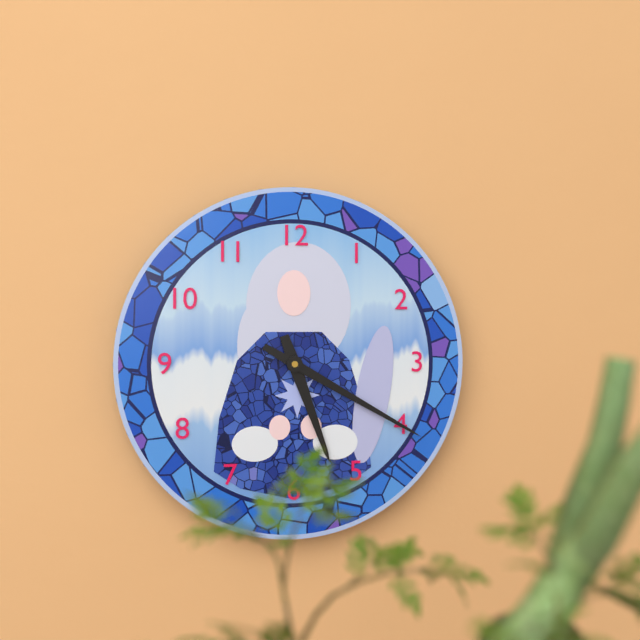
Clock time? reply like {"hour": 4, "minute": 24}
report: {"hour": 5, "minute": 20}
